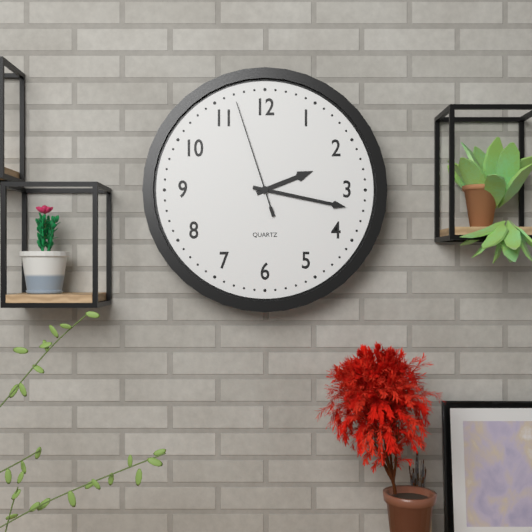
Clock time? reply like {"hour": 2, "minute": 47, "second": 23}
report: {"hour": 2, "minute": 17, "second": 57}
